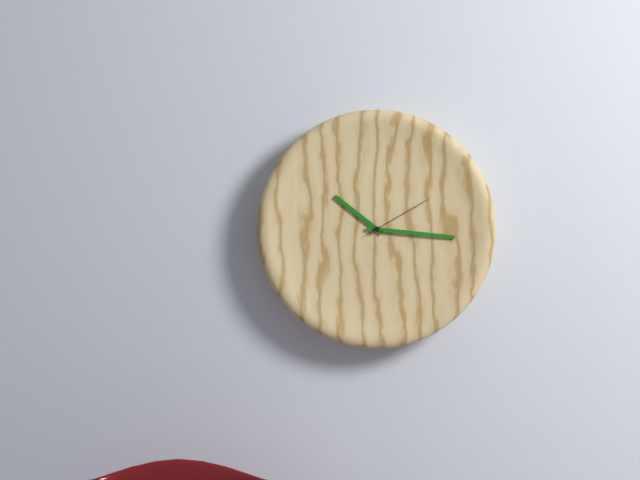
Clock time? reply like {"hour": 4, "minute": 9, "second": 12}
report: {"hour": 10, "minute": 16, "second": 10}
